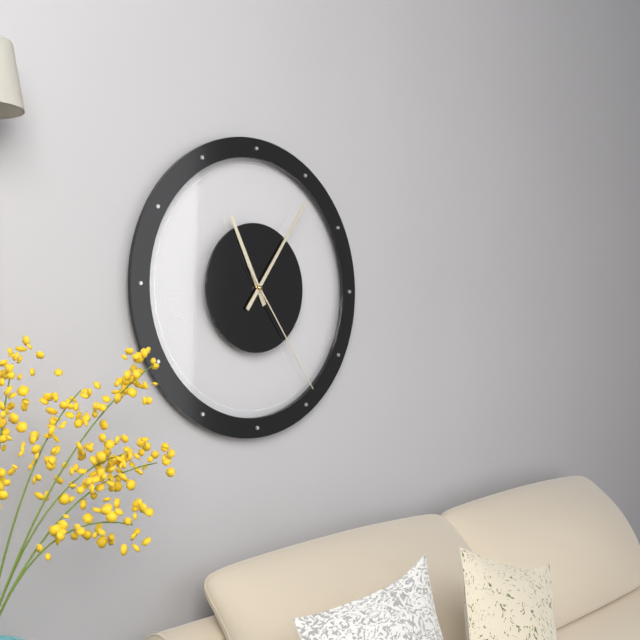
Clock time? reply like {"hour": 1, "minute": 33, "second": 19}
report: {"hour": 11, "minute": 6, "second": 24}
